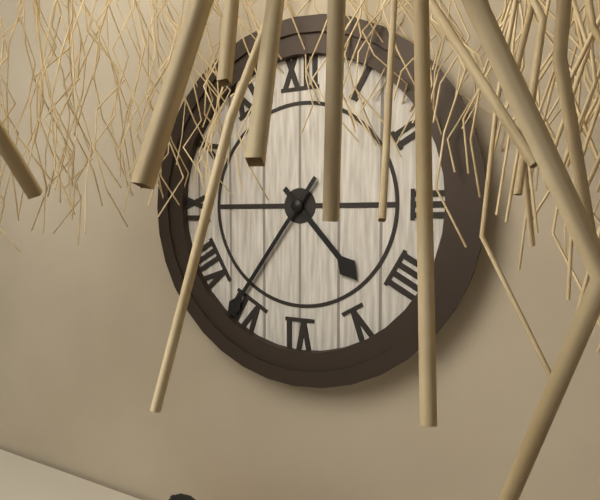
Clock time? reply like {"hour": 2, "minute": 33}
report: {"hour": 4, "minute": 36}
